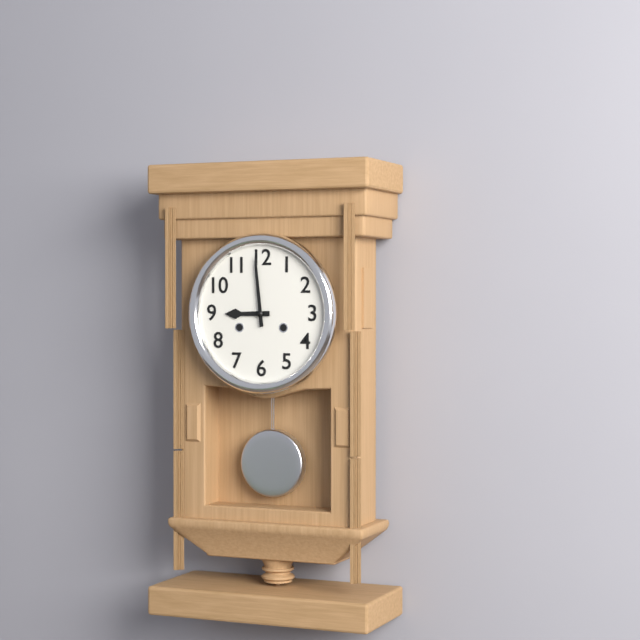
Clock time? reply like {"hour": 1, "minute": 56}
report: {"hour": 8, "minute": 59}
